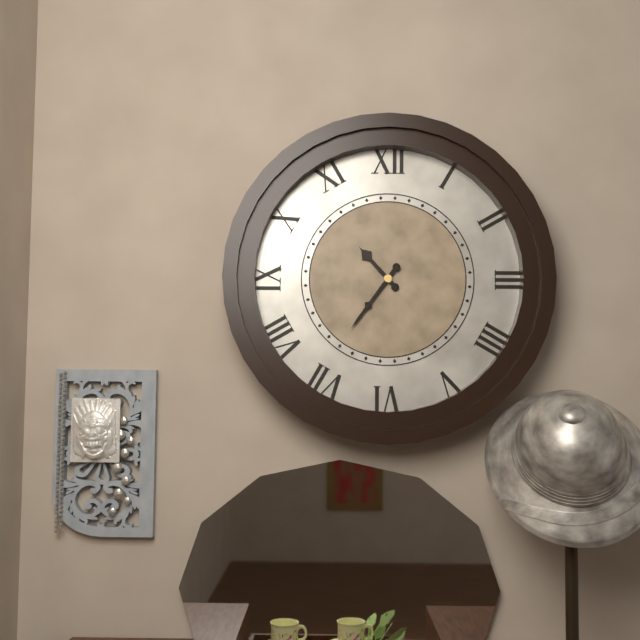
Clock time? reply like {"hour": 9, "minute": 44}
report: {"hour": 10, "minute": 36}
